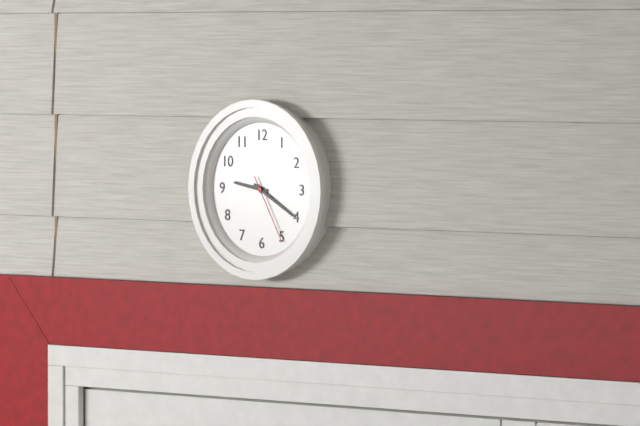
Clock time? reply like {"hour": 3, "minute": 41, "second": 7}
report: {"hour": 9, "minute": 20, "second": 25}
